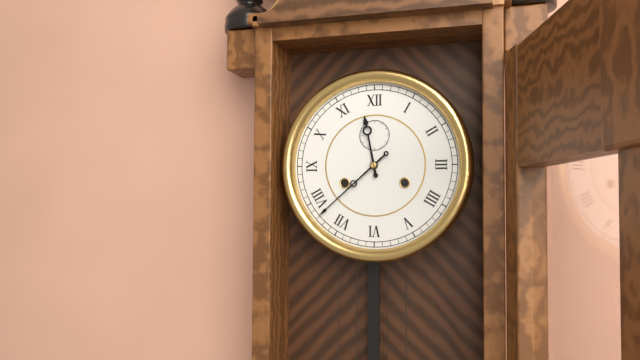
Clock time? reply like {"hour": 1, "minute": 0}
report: {"hour": 11, "minute": 38}
